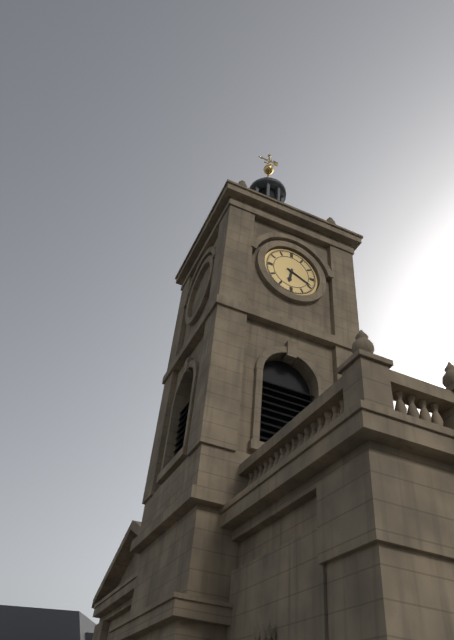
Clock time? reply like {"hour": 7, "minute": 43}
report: {"hour": 6, "minute": 19}
